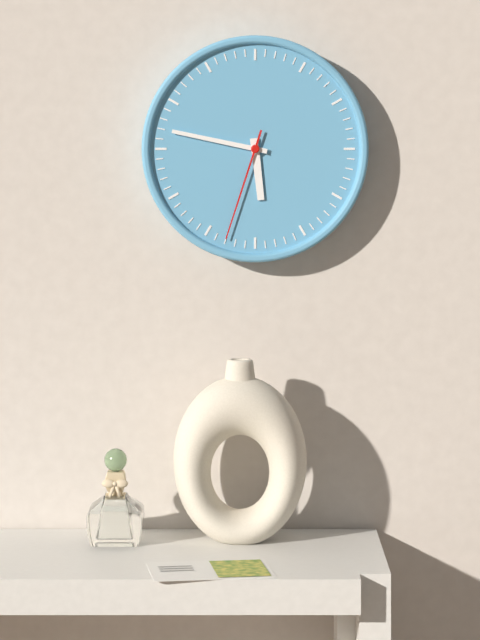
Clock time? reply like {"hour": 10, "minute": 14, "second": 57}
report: {"hour": 5, "minute": 47, "second": 33}
